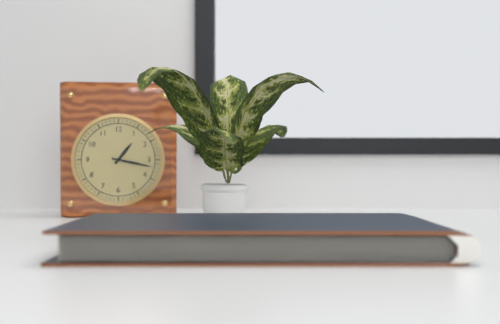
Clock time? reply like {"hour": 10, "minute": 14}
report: {"hour": 1, "minute": 17}
